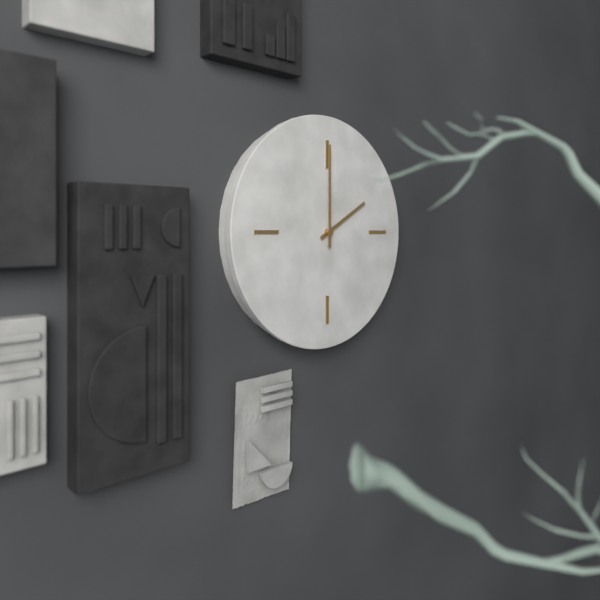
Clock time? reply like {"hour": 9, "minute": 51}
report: {"hour": 2, "minute": 0}
